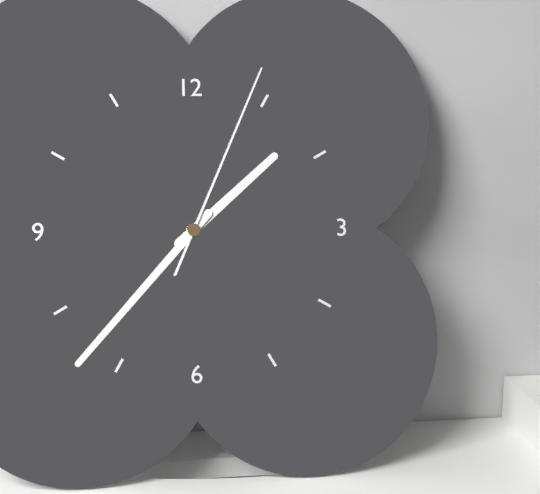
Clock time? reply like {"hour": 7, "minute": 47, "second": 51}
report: {"hour": 1, "minute": 37, "second": 4}
